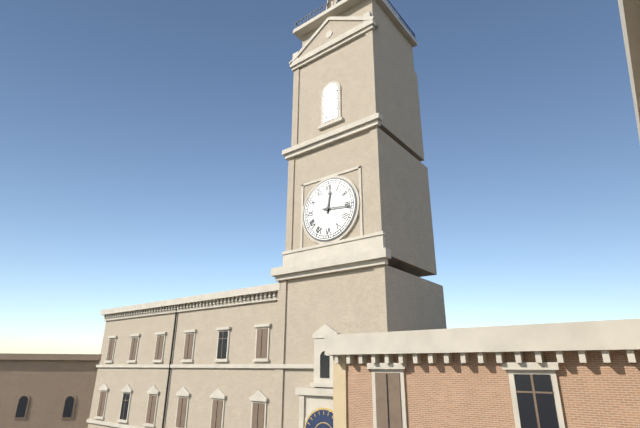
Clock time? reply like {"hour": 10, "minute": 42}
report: {"hour": 12, "minute": 16}
